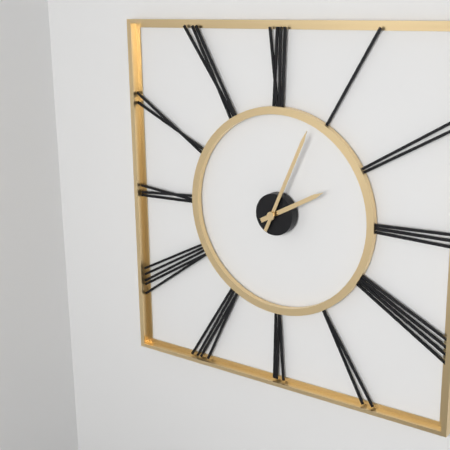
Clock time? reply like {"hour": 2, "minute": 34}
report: {"hour": 2, "minute": 4}
